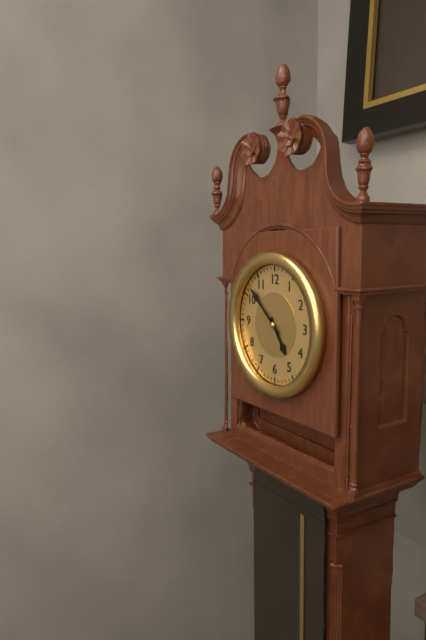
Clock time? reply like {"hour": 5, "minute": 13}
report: {"hour": 4, "minute": 52}
